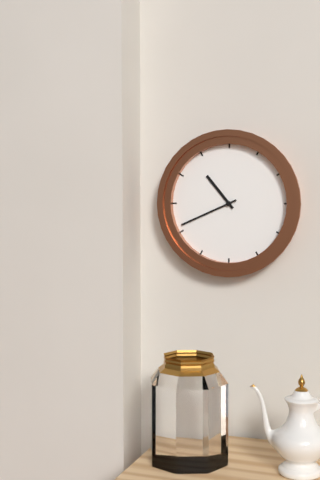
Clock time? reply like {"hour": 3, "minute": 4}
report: {"hour": 10, "minute": 41}
